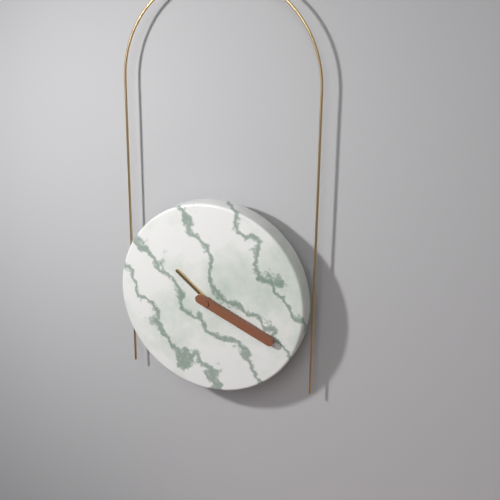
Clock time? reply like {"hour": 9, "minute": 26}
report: {"hour": 10, "minute": 19}
